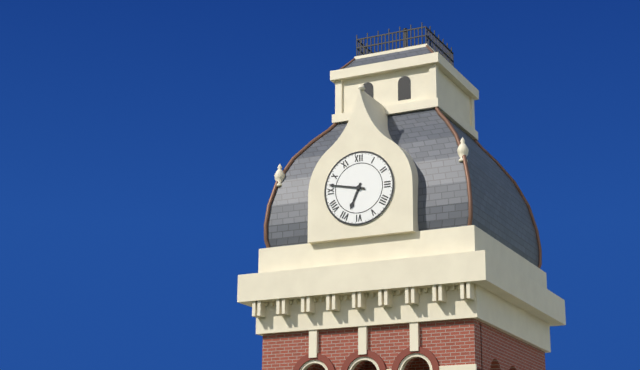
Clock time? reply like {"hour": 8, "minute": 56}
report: {"hour": 6, "minute": 47}
